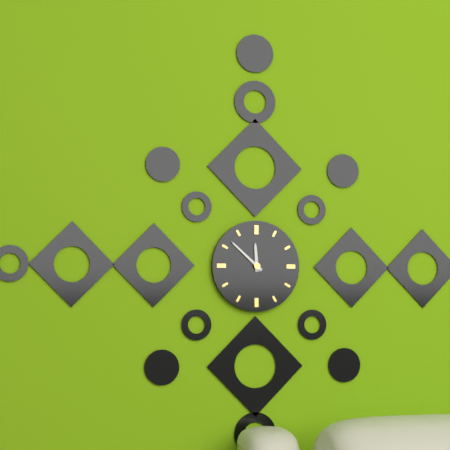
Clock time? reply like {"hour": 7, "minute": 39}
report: {"hour": 11, "minute": 52}
